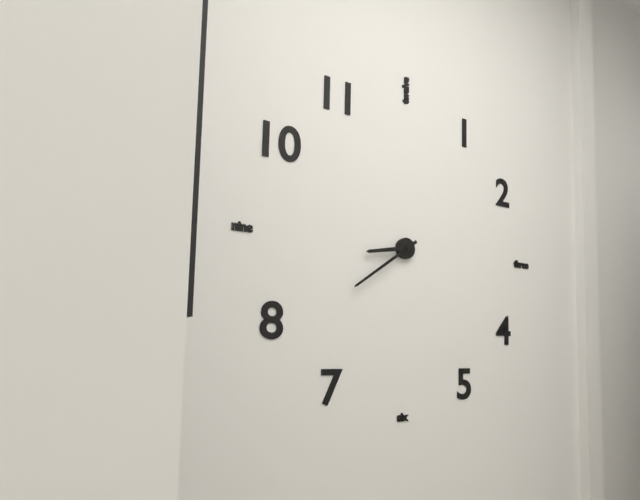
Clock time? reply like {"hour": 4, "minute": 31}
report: {"hour": 8, "minute": 39}
